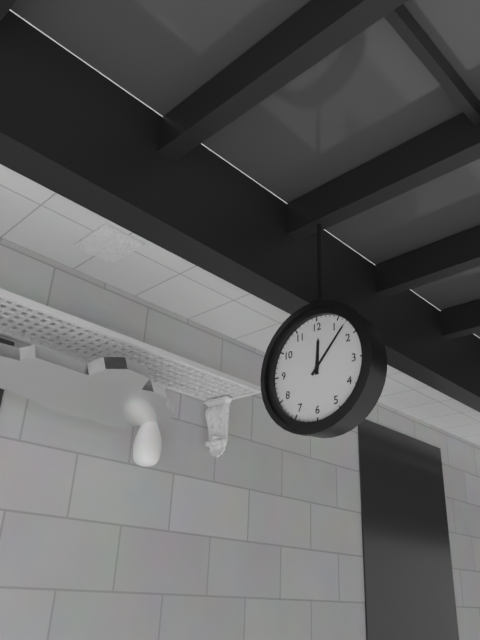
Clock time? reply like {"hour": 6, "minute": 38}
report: {"hour": 12, "minute": 7}
